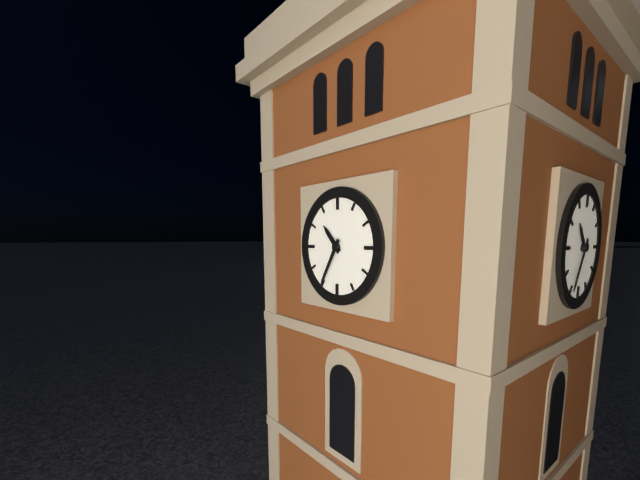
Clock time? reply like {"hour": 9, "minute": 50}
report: {"hour": 10, "minute": 35}
